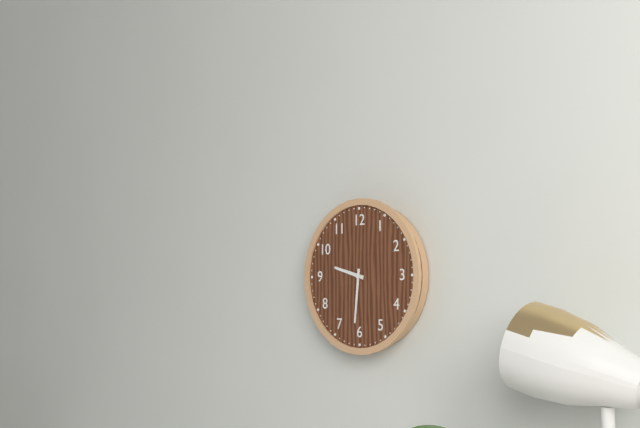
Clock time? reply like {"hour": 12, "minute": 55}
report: {"hour": 9, "minute": 31}
